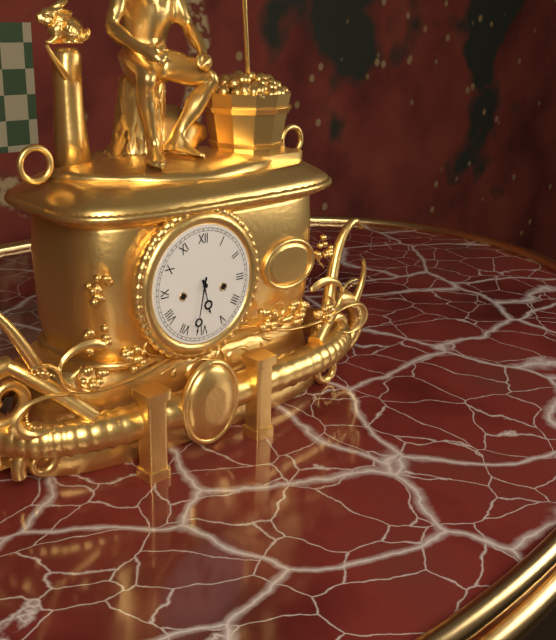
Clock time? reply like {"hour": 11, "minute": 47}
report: {"hour": 5, "minute": 32}
